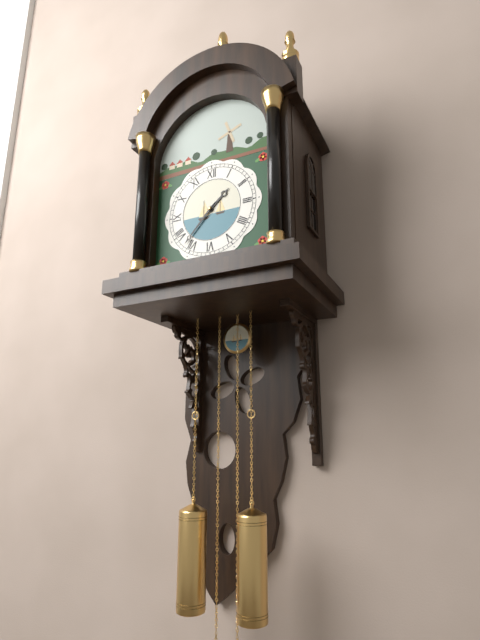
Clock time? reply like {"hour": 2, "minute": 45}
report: {"hour": 1, "minute": 37}
